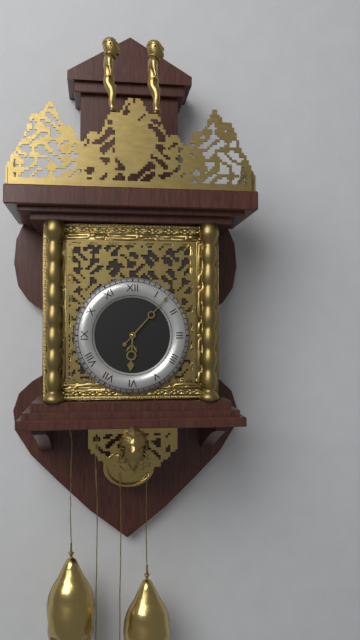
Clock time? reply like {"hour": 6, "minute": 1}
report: {"hour": 6, "minute": 7}
